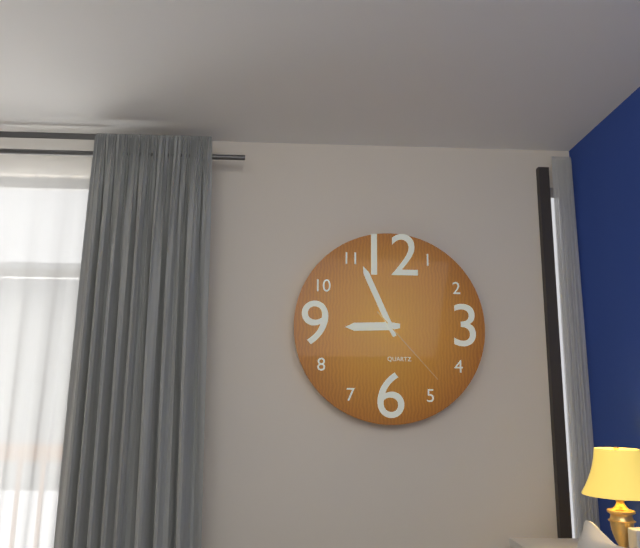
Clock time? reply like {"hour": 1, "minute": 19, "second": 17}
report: {"hour": 8, "minute": 56, "second": 23}
